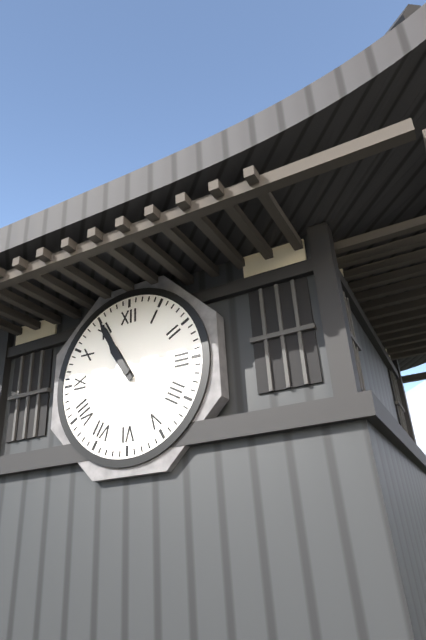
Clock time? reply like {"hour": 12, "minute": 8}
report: {"hour": 10, "minute": 55}
